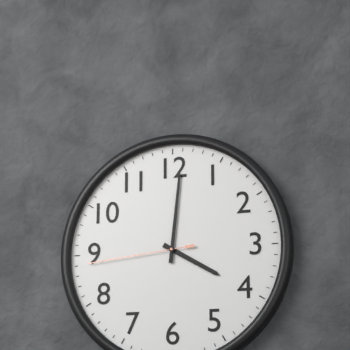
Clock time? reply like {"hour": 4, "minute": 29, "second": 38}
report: {"hour": 4, "minute": 1, "second": 44}
